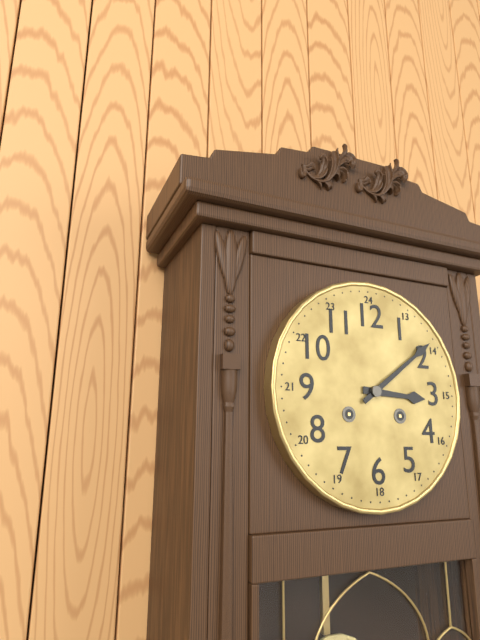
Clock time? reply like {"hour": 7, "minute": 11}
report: {"hour": 3, "minute": 9}
